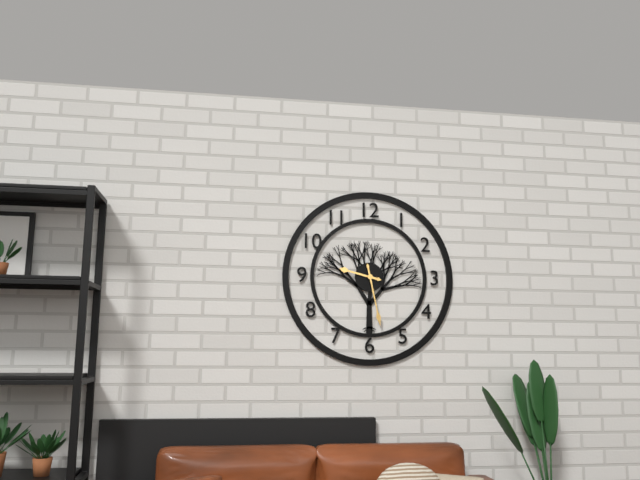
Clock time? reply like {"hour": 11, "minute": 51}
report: {"hour": 9, "minute": 28}
